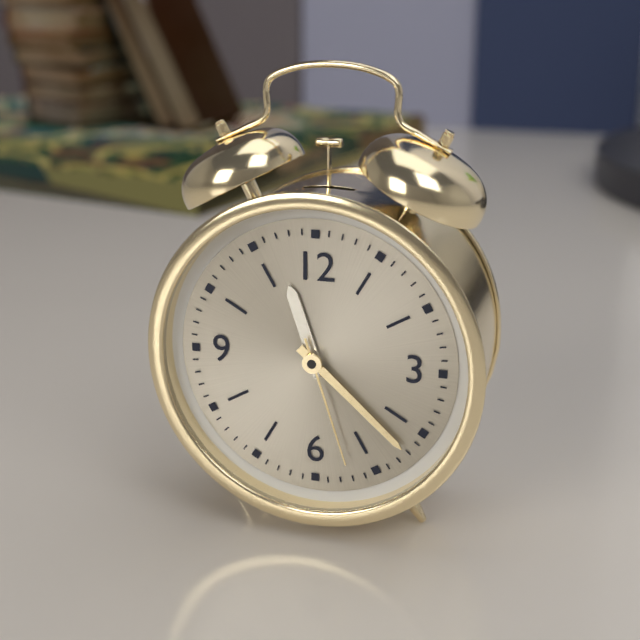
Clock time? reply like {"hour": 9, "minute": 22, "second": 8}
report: {"hour": 11, "minute": 22, "second": 27}
